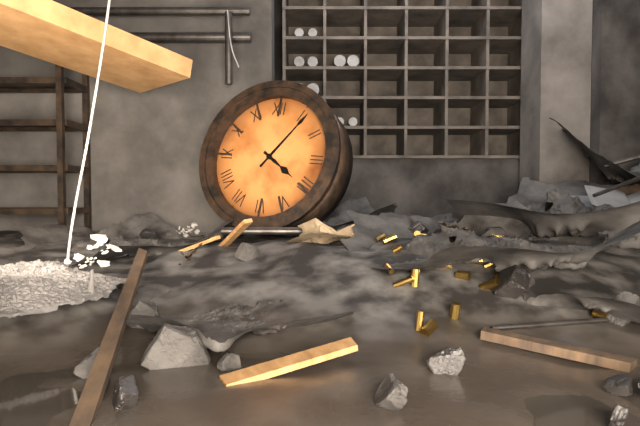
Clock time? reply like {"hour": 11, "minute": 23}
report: {"hour": 4, "minute": 6}
